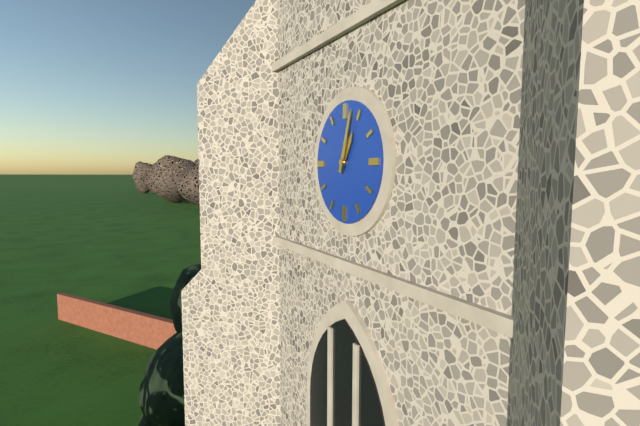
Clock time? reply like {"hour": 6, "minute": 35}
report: {"hour": 1, "minute": 3}
